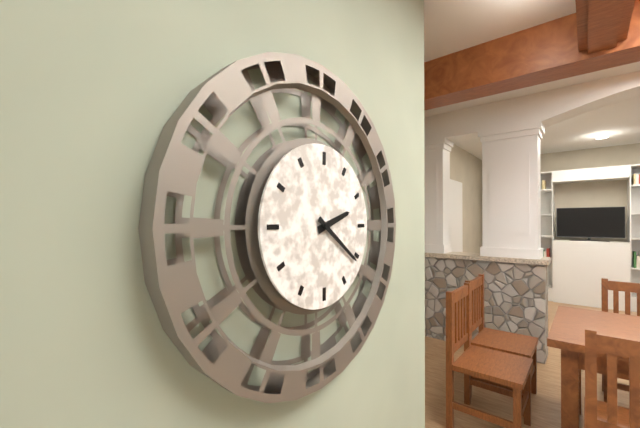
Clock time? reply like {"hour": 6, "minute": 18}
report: {"hour": 2, "minute": 21}
